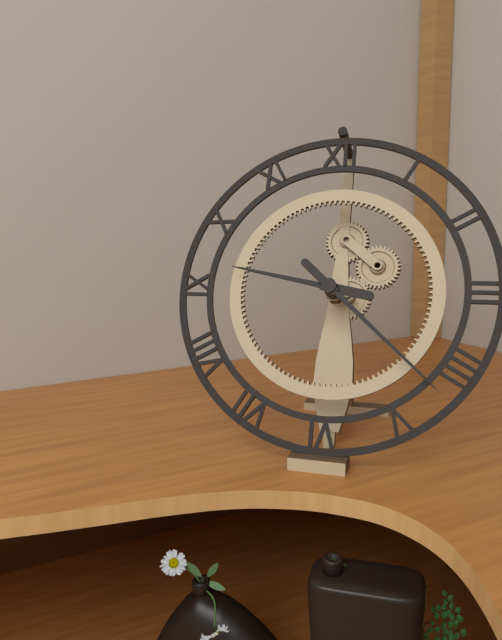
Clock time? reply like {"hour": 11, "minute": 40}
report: {"hour": 9, "minute": 22}
